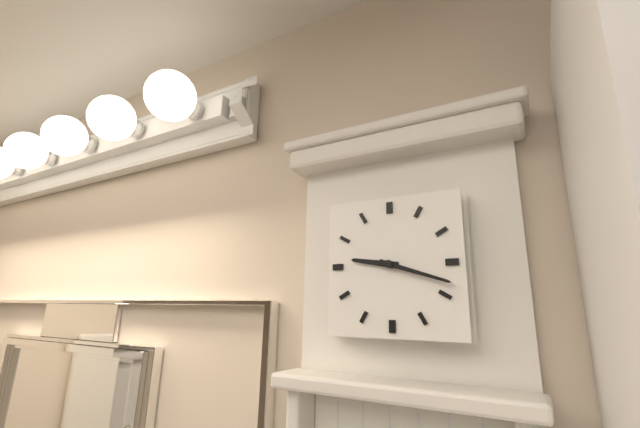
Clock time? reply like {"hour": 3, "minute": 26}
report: {"hour": 9, "minute": 18}
